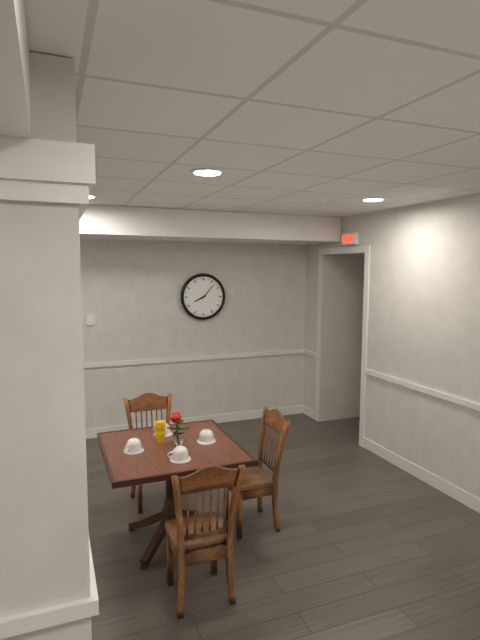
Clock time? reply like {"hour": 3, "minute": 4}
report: {"hour": 8, "minute": 7}
